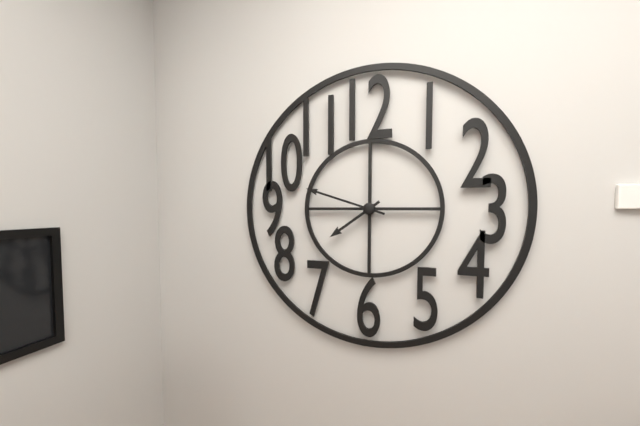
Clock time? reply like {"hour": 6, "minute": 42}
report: {"hour": 7, "minute": 48}
